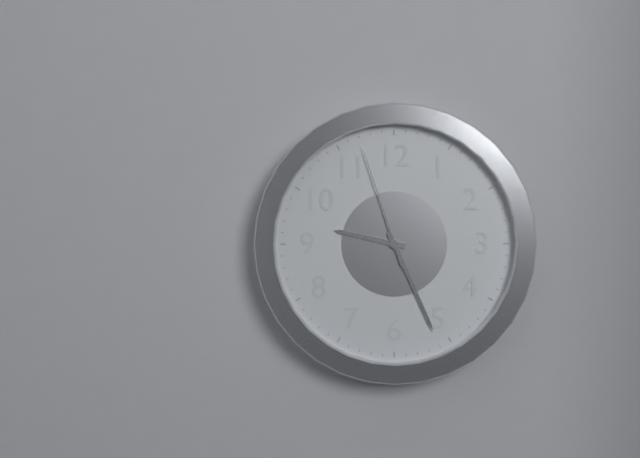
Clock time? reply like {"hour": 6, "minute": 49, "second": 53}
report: {"hour": 9, "minute": 26, "second": 57}
